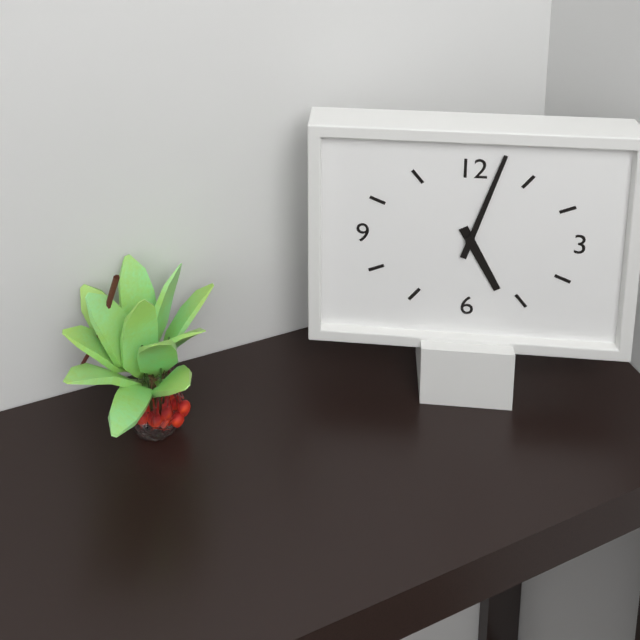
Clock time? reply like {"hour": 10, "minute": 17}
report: {"hour": 5, "minute": 3}
